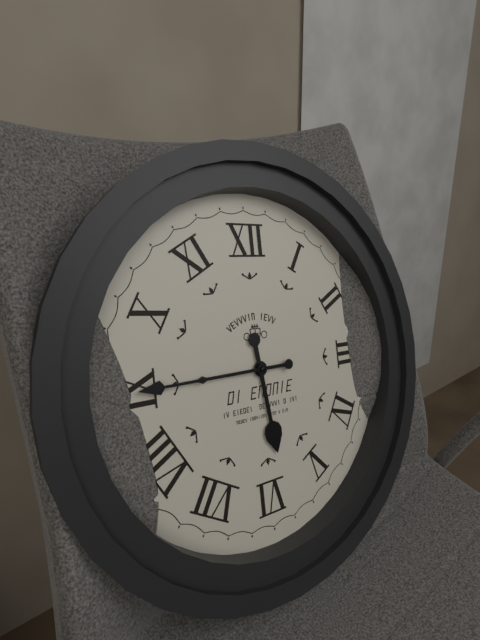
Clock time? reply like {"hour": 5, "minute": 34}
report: {"hour": 5, "minute": 45}
